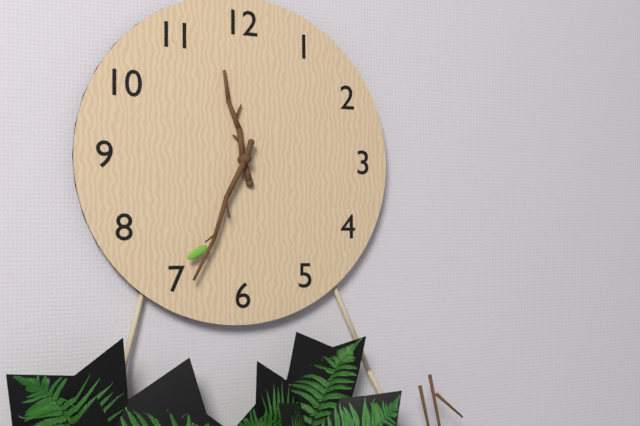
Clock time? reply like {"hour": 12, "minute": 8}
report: {"hour": 11, "minute": 34}
